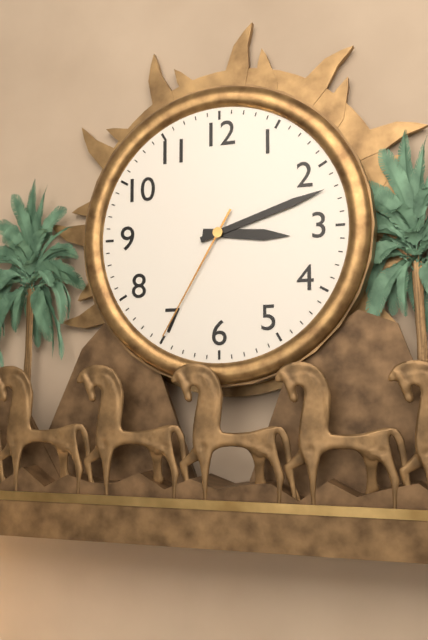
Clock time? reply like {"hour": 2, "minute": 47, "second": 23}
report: {"hour": 3, "minute": 12, "second": 35}
